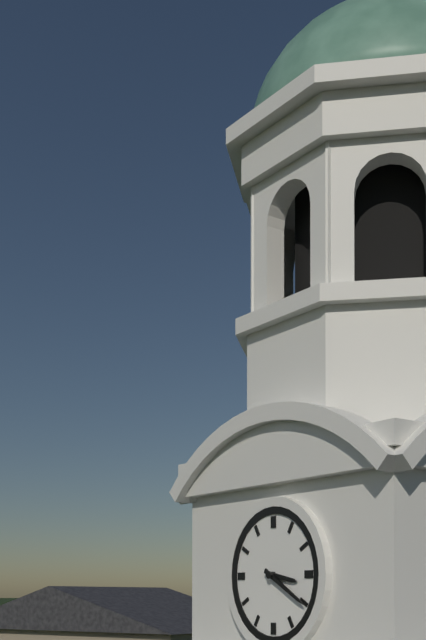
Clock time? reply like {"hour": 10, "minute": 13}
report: {"hour": 3, "minute": 20}
